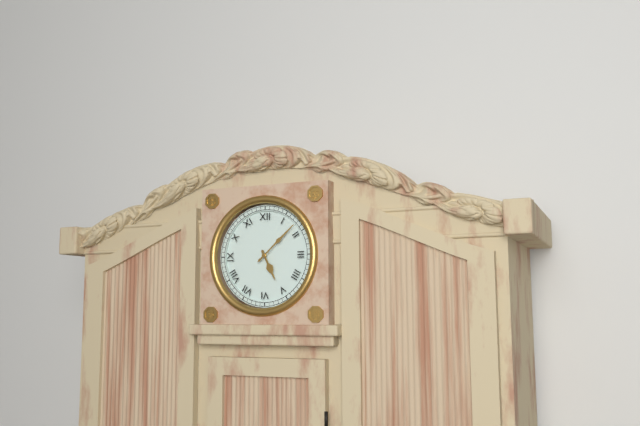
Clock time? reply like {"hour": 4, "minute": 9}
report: {"hour": 5, "minute": 8}
